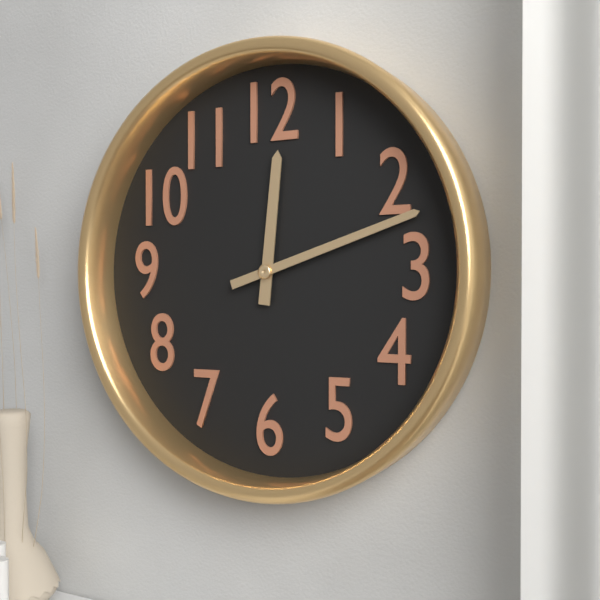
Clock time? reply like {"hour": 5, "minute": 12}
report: {"hour": 12, "minute": 12}
